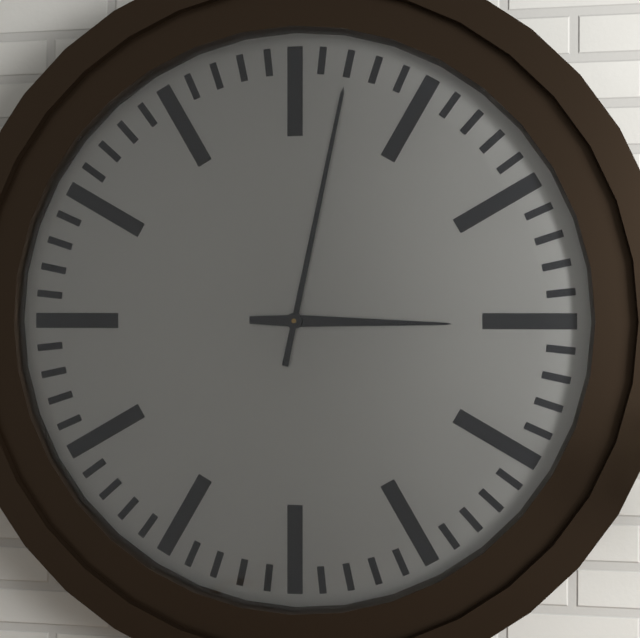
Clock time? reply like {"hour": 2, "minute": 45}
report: {"hour": 3, "minute": 2}
